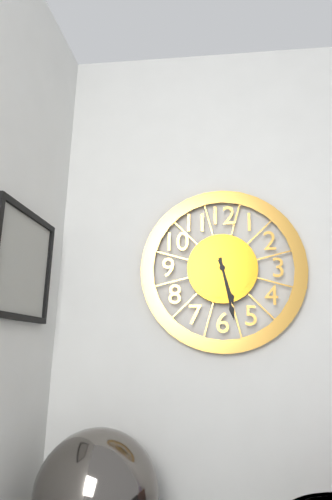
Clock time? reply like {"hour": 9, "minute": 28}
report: {"hour": 5, "minute": 28}
